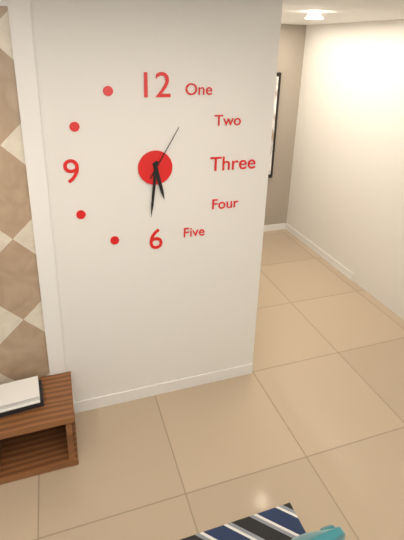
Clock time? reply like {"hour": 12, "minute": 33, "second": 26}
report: {"hour": 5, "minute": 31, "second": 5}
